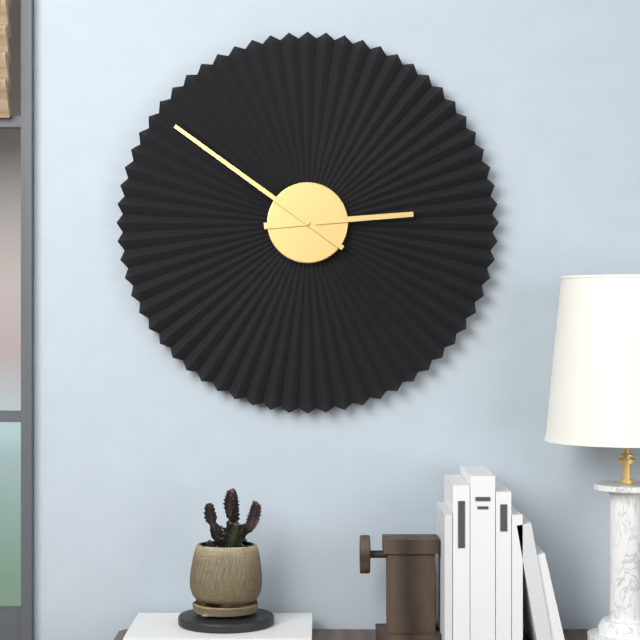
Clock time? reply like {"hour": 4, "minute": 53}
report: {"hour": 2, "minute": 51}
